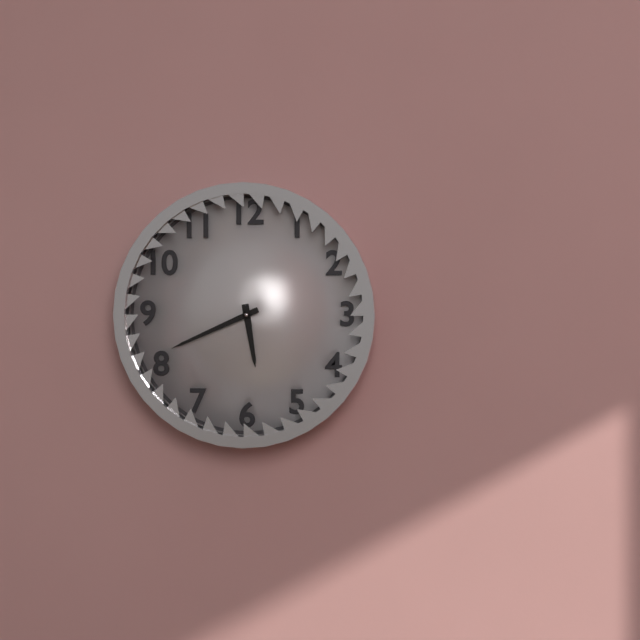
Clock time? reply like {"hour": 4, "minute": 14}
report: {"hour": 5, "minute": 41}
